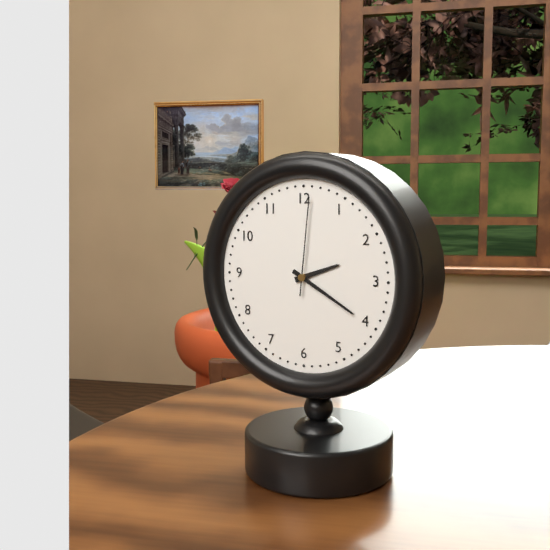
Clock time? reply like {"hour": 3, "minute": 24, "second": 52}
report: {"hour": 2, "minute": 20, "second": 1}
